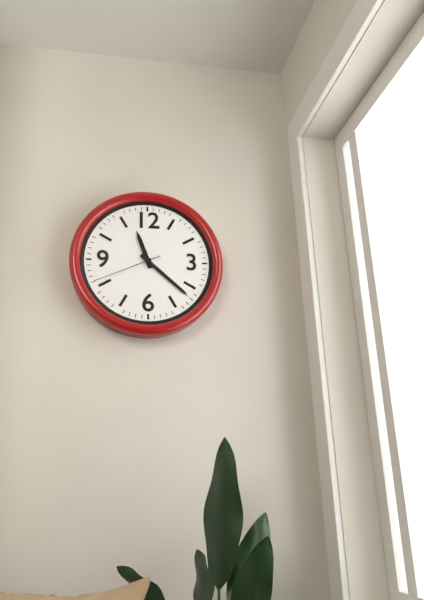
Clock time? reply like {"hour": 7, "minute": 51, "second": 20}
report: {"hour": 11, "minute": 22, "second": 41}
